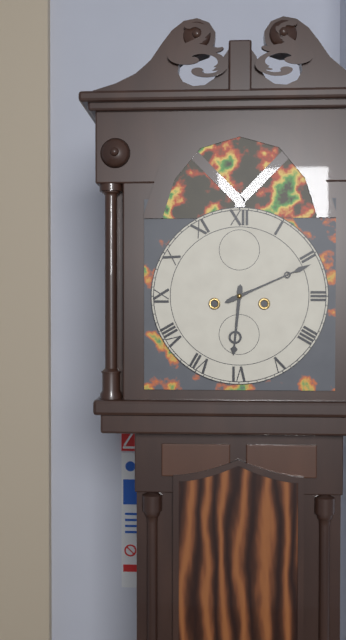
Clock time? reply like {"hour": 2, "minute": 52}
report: {"hour": 6, "minute": 11}
